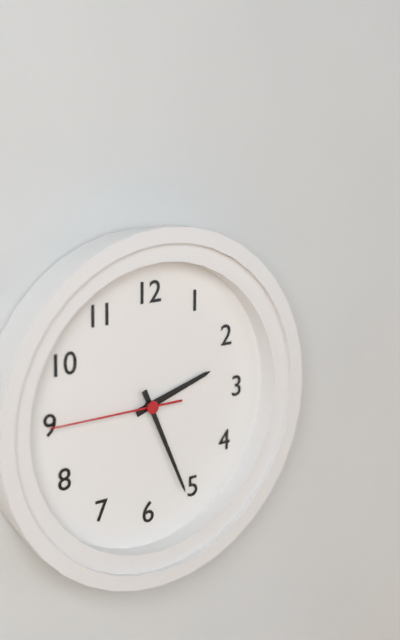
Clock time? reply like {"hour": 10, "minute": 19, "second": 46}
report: {"hour": 2, "minute": 26, "second": 45}
